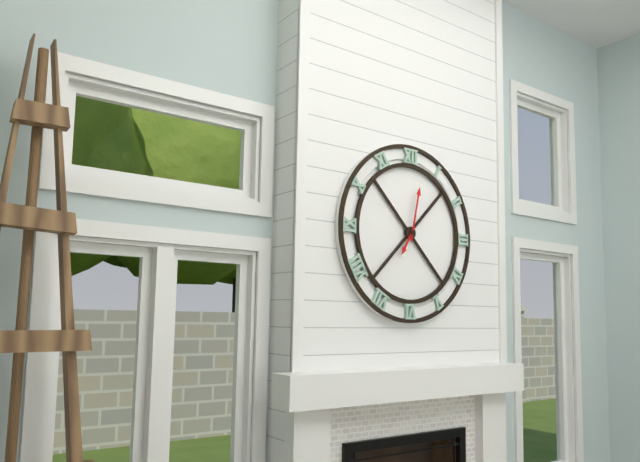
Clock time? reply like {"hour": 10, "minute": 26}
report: {"hour": 7, "minute": 2}
